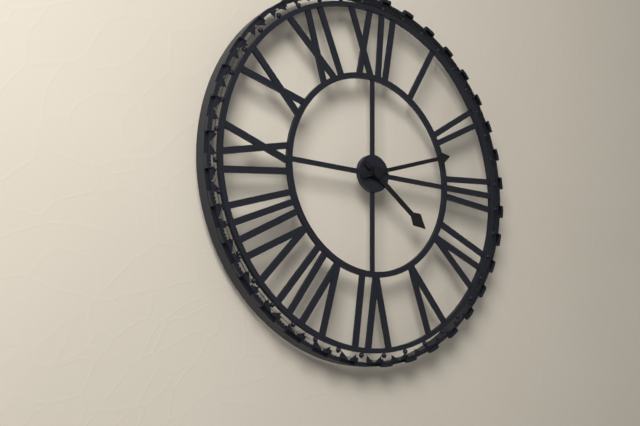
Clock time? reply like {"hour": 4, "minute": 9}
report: {"hour": 4, "minute": 12}
